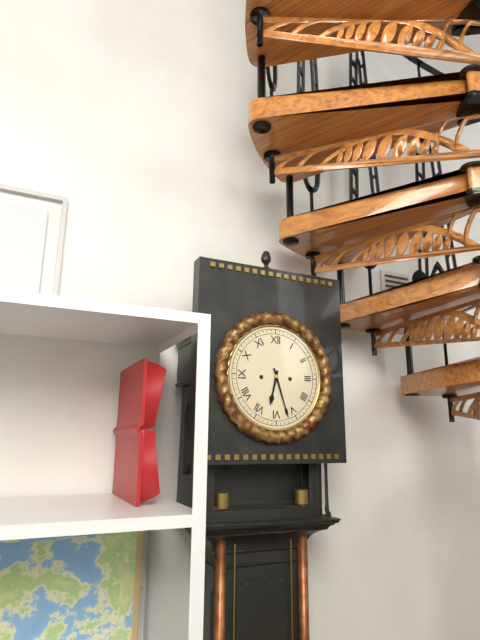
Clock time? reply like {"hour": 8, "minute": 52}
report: {"hour": 6, "minute": 27}
